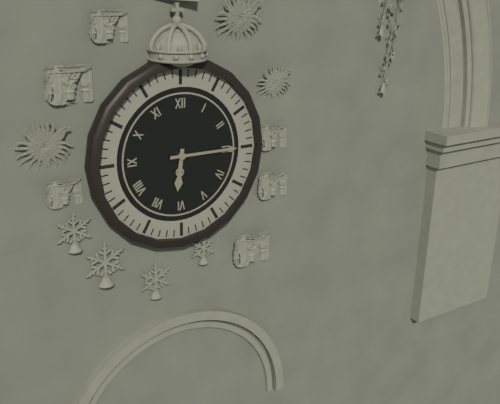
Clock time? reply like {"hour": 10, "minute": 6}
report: {"hour": 6, "minute": 15}
